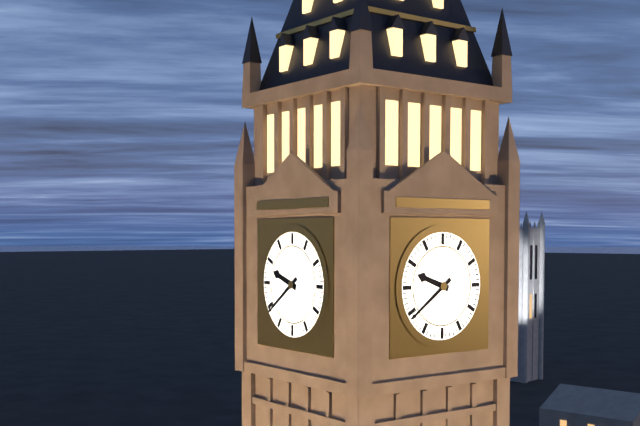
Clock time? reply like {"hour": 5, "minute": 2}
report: {"hour": 9, "minute": 39}
